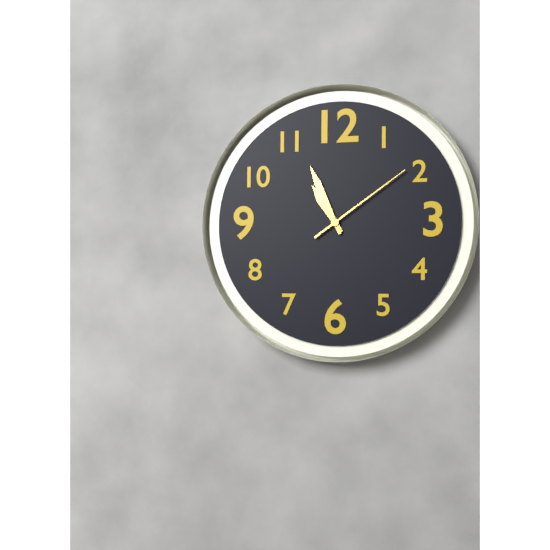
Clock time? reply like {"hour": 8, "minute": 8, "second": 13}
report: {"hour": 10, "minute": 56, "second": 9}
